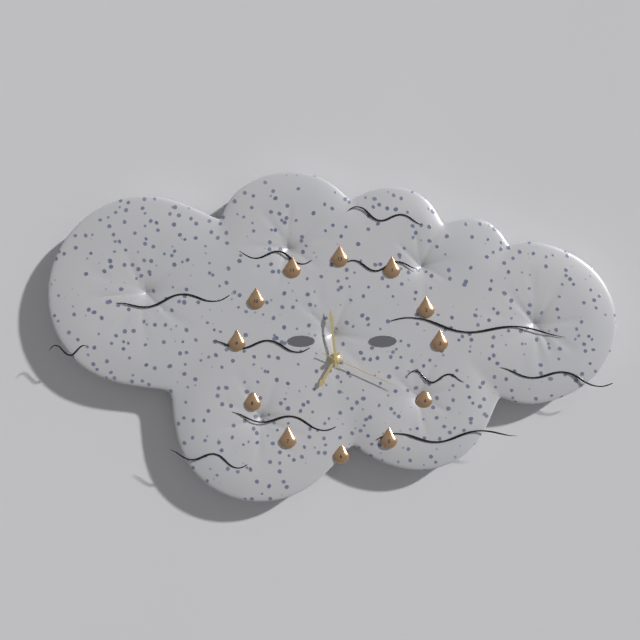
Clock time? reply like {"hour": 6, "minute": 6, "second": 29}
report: {"hour": 6, "minute": 59, "second": 19}
